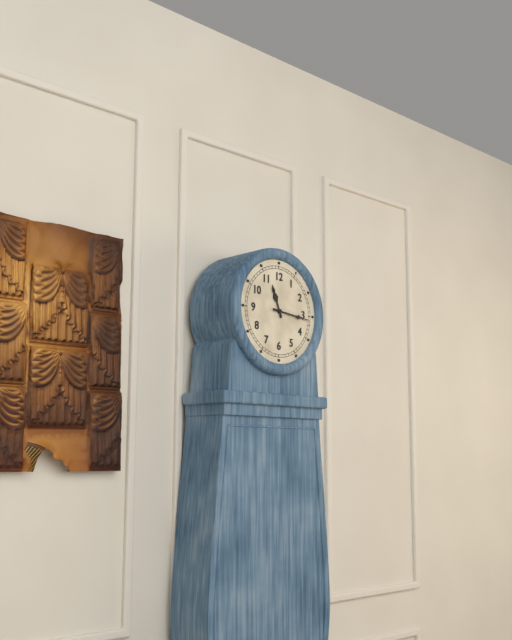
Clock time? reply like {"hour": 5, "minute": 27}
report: {"hour": 11, "minute": 16}
